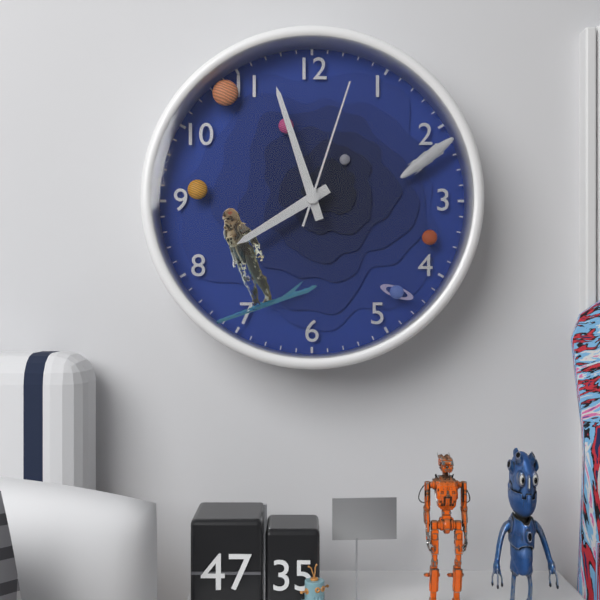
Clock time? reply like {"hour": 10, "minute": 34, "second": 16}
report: {"hour": 7, "minute": 57, "second": 3}
